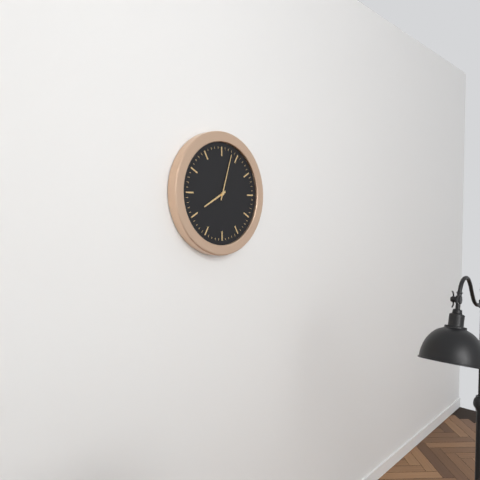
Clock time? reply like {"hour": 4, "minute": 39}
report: {"hour": 8, "minute": 3}
